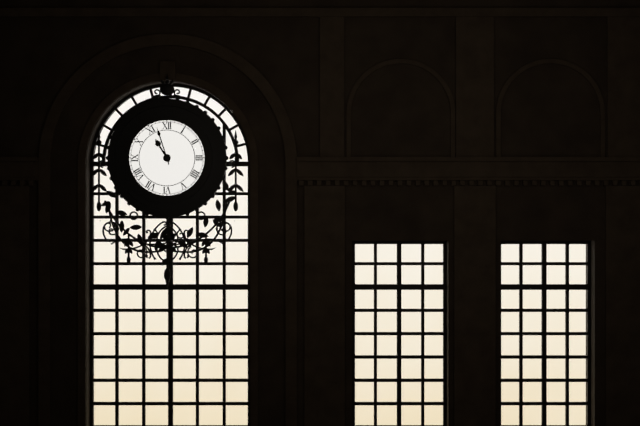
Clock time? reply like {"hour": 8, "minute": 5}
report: {"hour": 10, "minute": 57}
